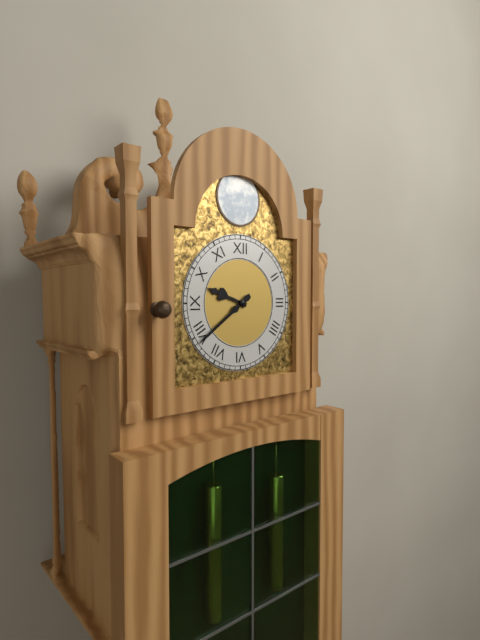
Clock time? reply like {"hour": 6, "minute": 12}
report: {"hour": 9, "minute": 39}
